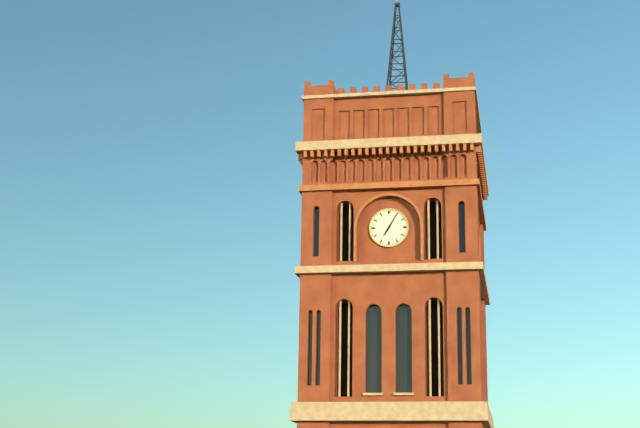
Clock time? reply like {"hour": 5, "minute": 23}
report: {"hour": 7, "minute": 5}
